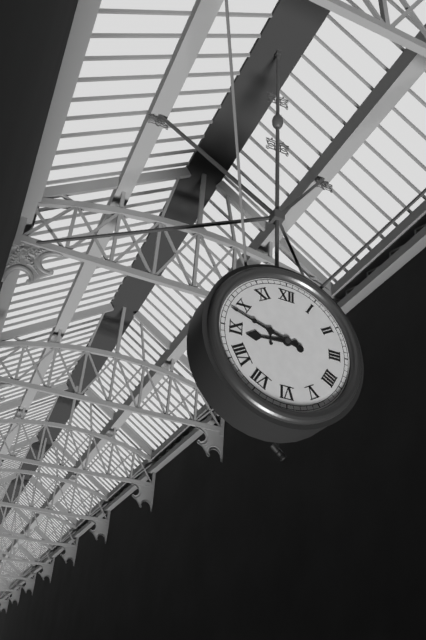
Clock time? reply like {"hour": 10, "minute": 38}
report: {"hour": 8, "minute": 48}
